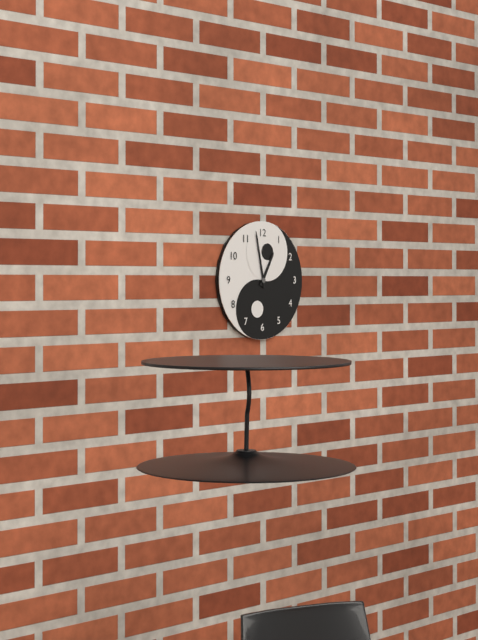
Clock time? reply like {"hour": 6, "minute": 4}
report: {"hour": 12, "minute": 58}
